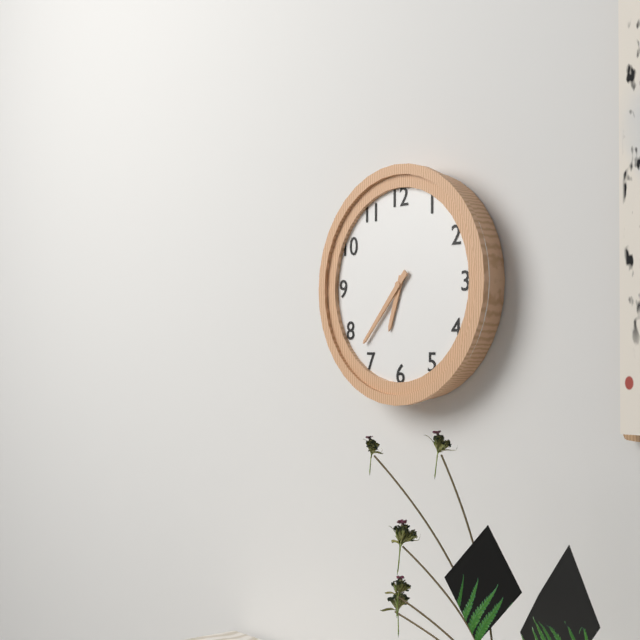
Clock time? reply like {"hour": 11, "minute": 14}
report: {"hour": 6, "minute": 37}
